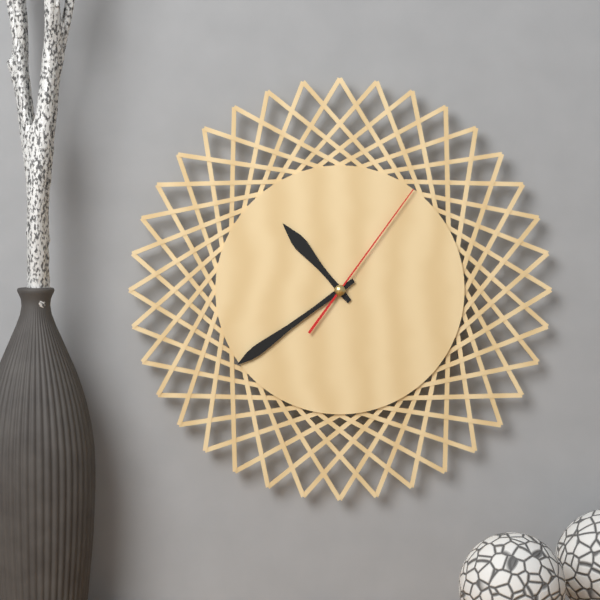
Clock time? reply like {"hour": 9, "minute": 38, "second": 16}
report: {"hour": 10, "minute": 39, "second": 6}
